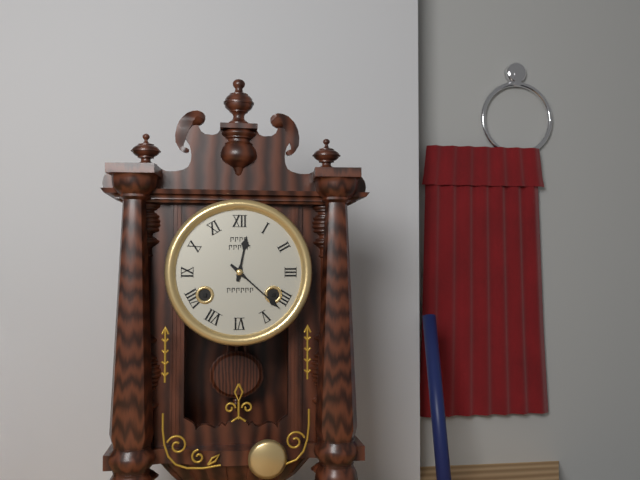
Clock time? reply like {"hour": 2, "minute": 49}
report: {"hour": 12, "minute": 22}
